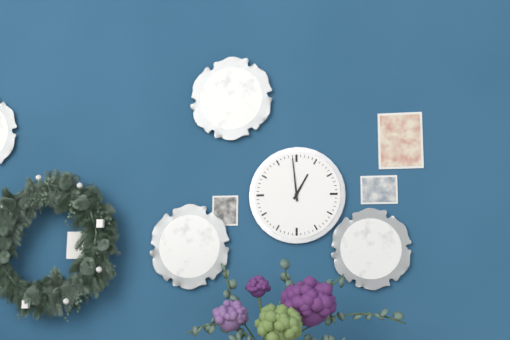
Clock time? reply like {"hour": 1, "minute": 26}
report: {"hour": 12, "minute": 59}
